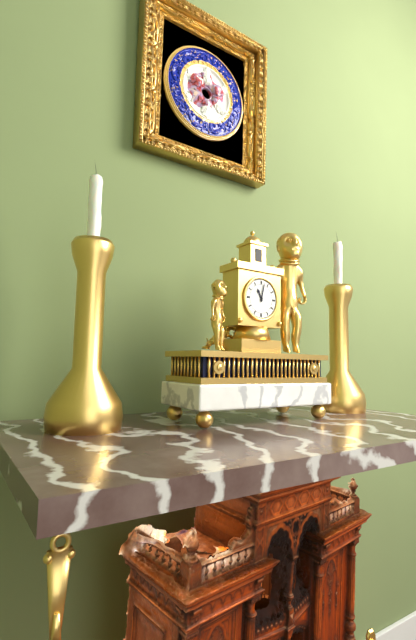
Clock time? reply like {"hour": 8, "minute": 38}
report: {"hour": 11, "minute": 2}
